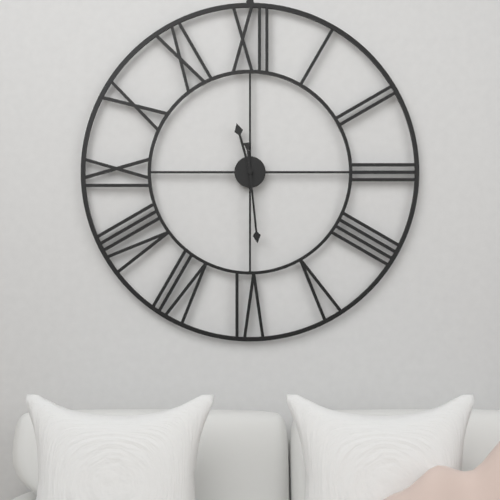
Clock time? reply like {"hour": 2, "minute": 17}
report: {"hour": 11, "minute": 29}
